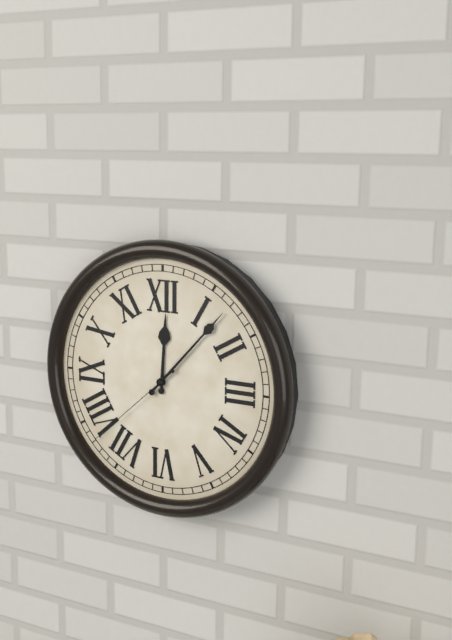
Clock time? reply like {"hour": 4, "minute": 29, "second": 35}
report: {"hour": 12, "minute": 7, "second": 38}
